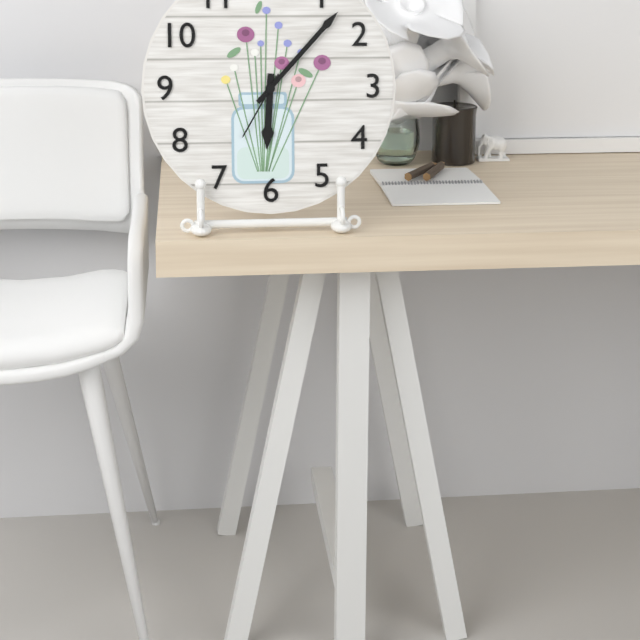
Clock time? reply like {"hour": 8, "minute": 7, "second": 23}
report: {"hour": 6, "minute": 7, "second": 35}
